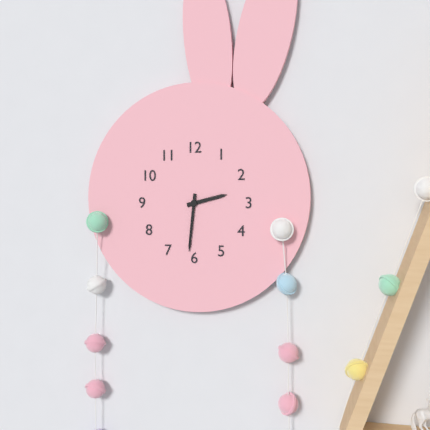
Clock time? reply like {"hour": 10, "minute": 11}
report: {"hour": 2, "minute": 31}
